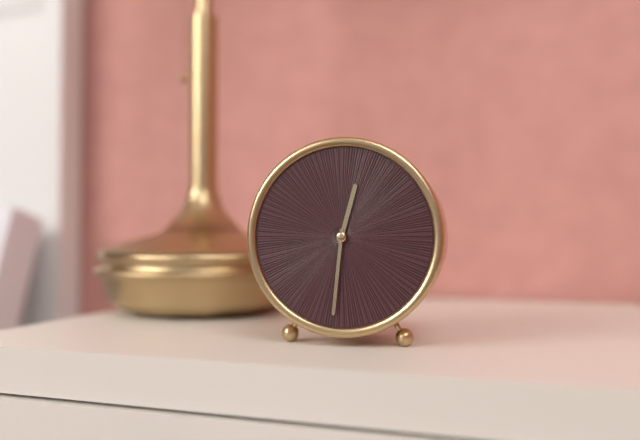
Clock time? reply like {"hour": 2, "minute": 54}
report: {"hour": 12, "minute": 31}
